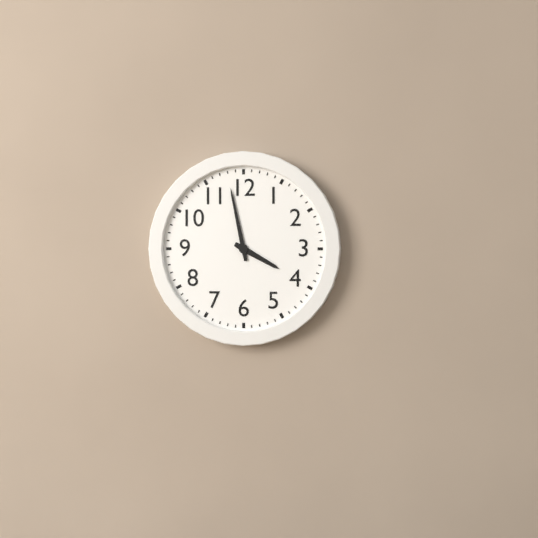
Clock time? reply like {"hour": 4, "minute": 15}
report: {"hour": 3, "minute": 58}
